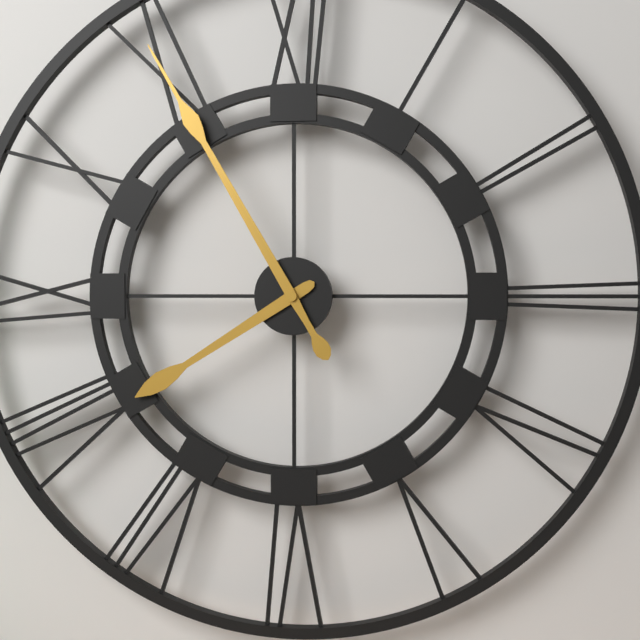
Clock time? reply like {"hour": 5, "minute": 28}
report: {"hour": 7, "minute": 55}
